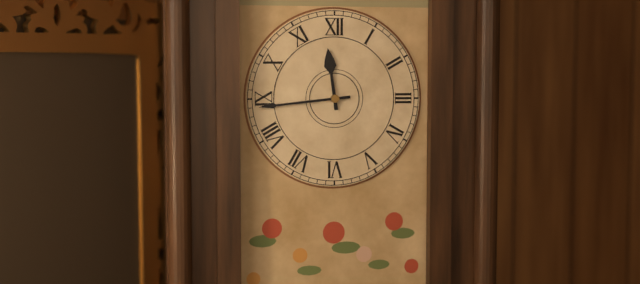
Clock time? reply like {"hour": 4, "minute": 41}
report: {"hour": 11, "minute": 44}
